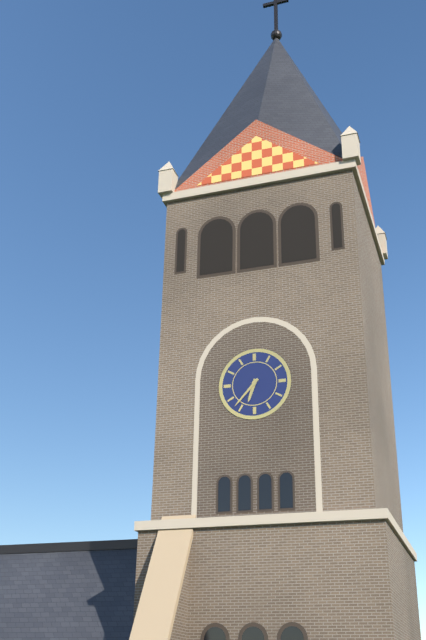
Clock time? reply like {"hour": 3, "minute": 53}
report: {"hour": 6, "minute": 37}
